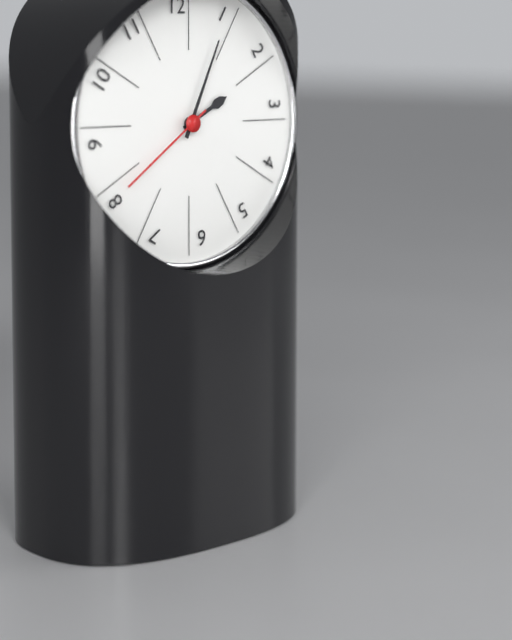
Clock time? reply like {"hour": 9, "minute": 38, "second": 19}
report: {"hour": 2, "minute": 4, "second": 39}
